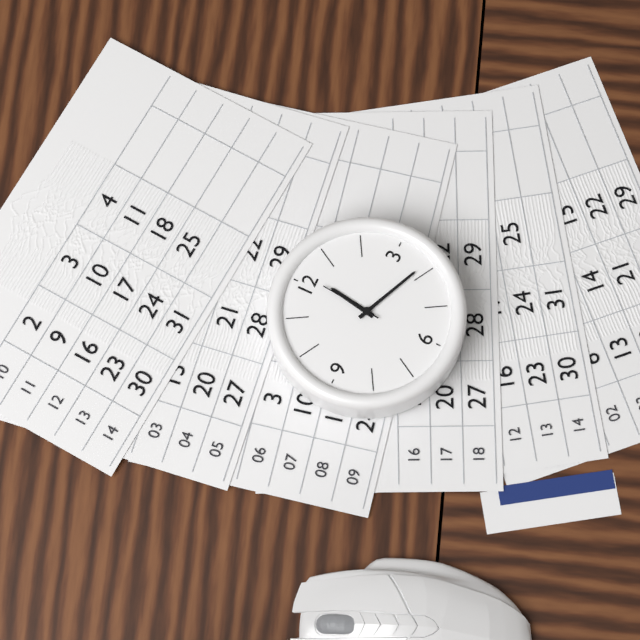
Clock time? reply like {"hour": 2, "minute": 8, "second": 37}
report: {"hour": 12, "minute": 19, "second": 1}
